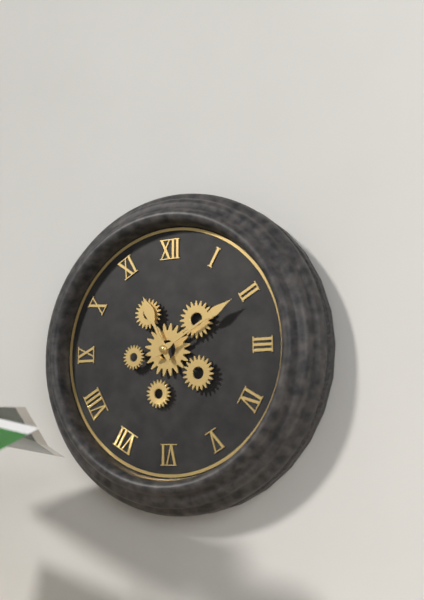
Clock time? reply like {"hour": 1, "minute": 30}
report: {"hour": 11, "minute": 10}
